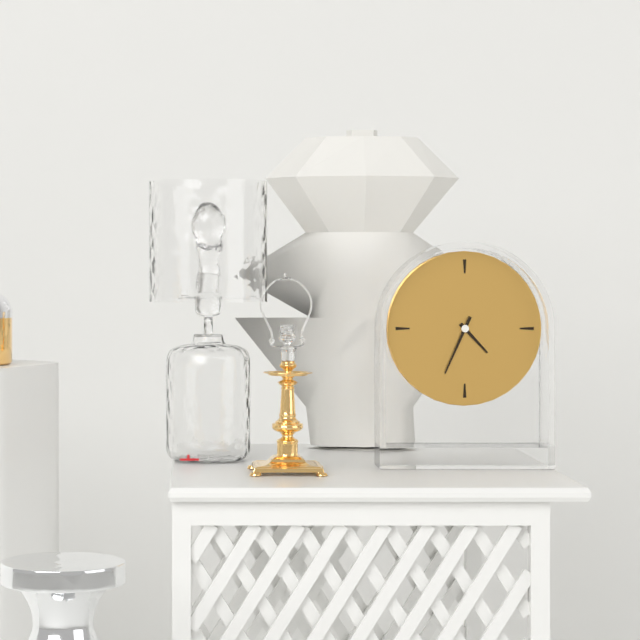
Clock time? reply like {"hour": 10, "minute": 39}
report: {"hour": 4, "minute": 34}
